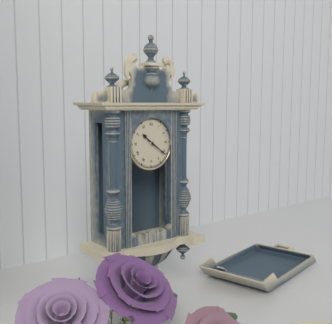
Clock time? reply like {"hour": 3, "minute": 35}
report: {"hour": 10, "minute": 21}
